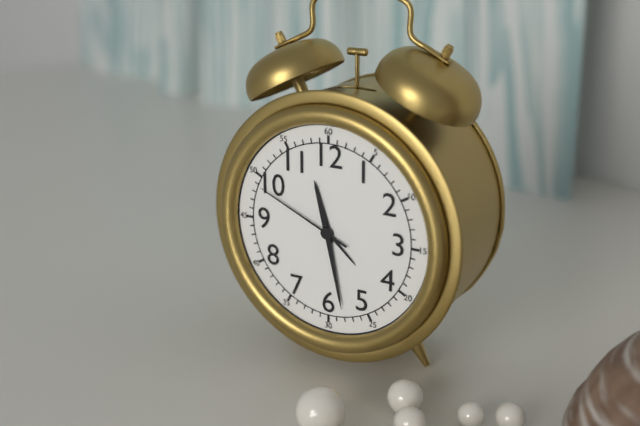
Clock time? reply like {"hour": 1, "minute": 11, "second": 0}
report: {"hour": 11, "minute": 28, "second": 49}
